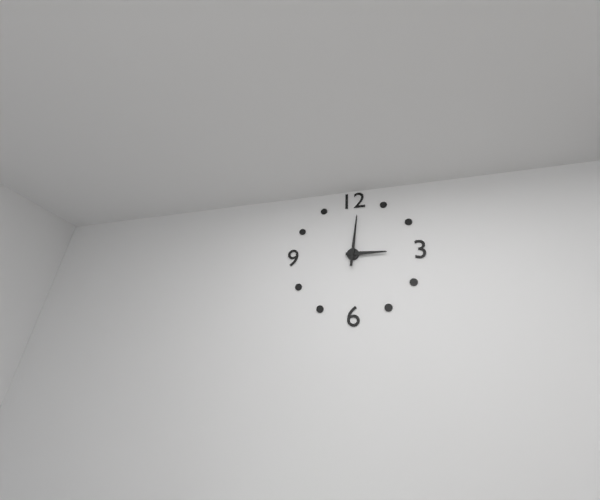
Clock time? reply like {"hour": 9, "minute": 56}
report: {"hour": 3, "minute": 1}
